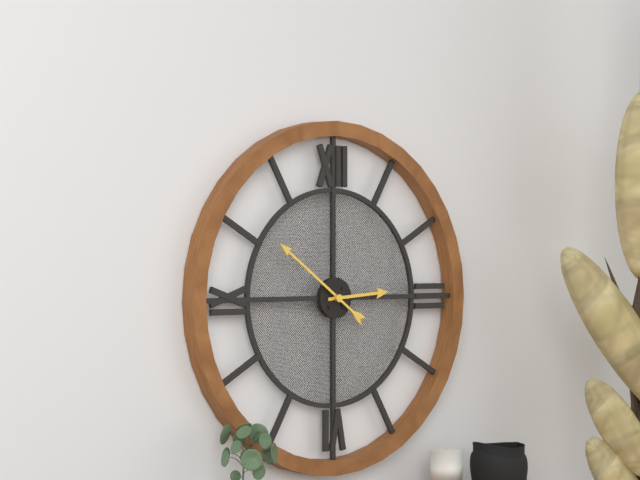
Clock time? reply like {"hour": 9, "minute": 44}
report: {"hour": 2, "minute": 51}
